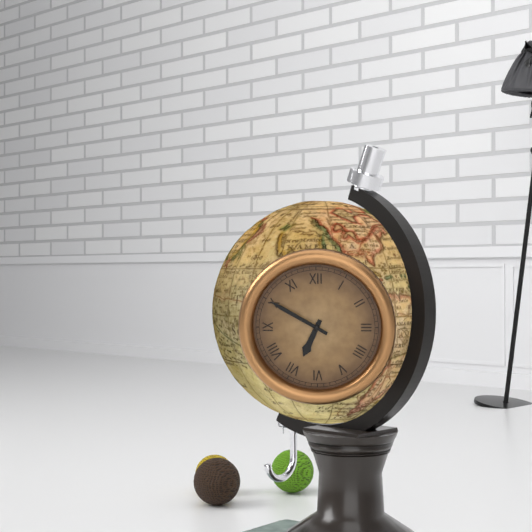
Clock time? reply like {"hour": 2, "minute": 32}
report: {"hour": 6, "minute": 50}
